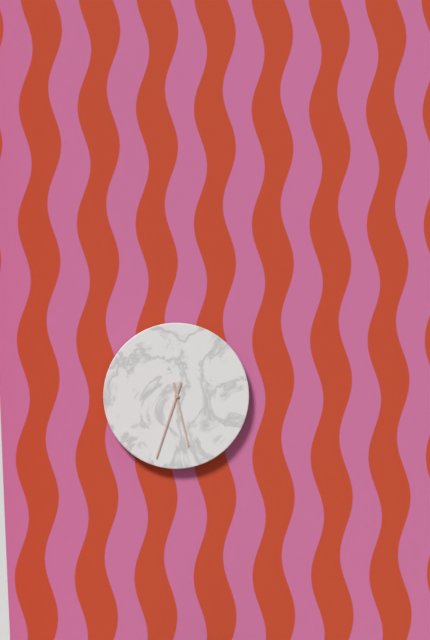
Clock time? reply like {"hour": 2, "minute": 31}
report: {"hour": 5, "minute": 33}
